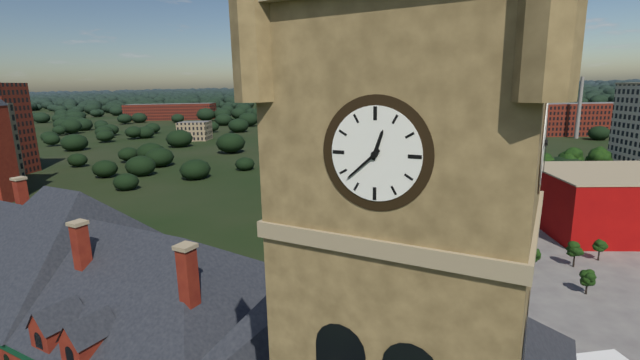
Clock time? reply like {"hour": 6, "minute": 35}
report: {"hour": 12, "minute": 38}
